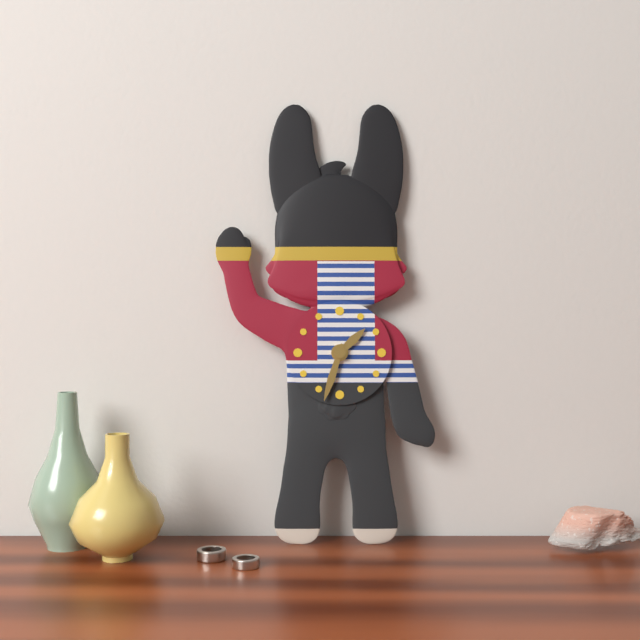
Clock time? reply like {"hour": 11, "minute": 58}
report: {"hour": 1, "minute": 33}
